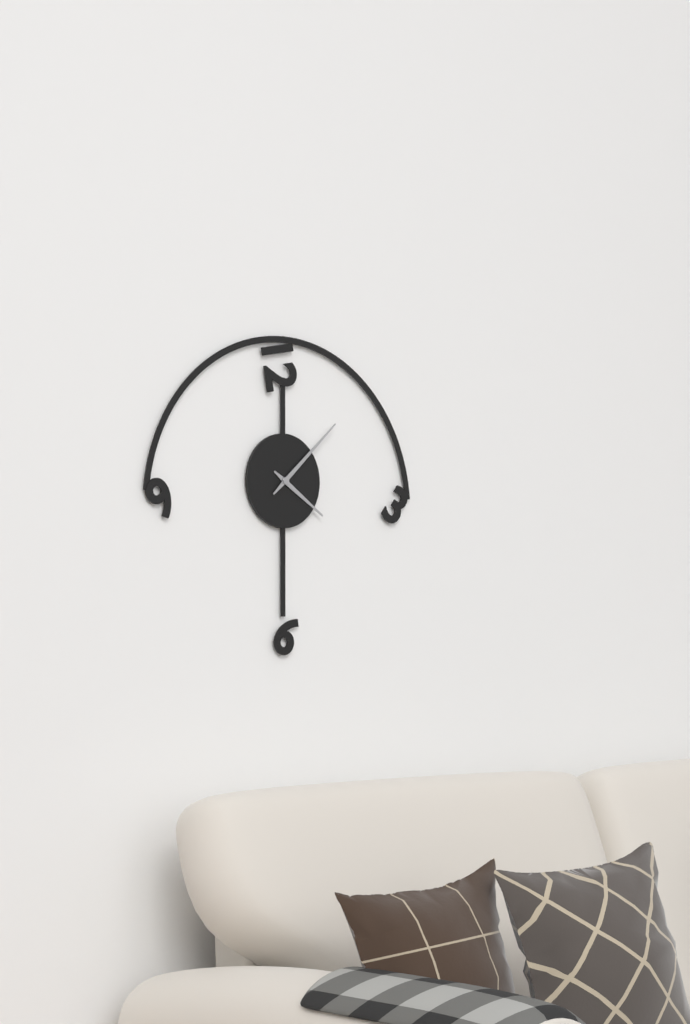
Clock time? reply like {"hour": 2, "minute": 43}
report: {"hour": 4, "minute": 8}
